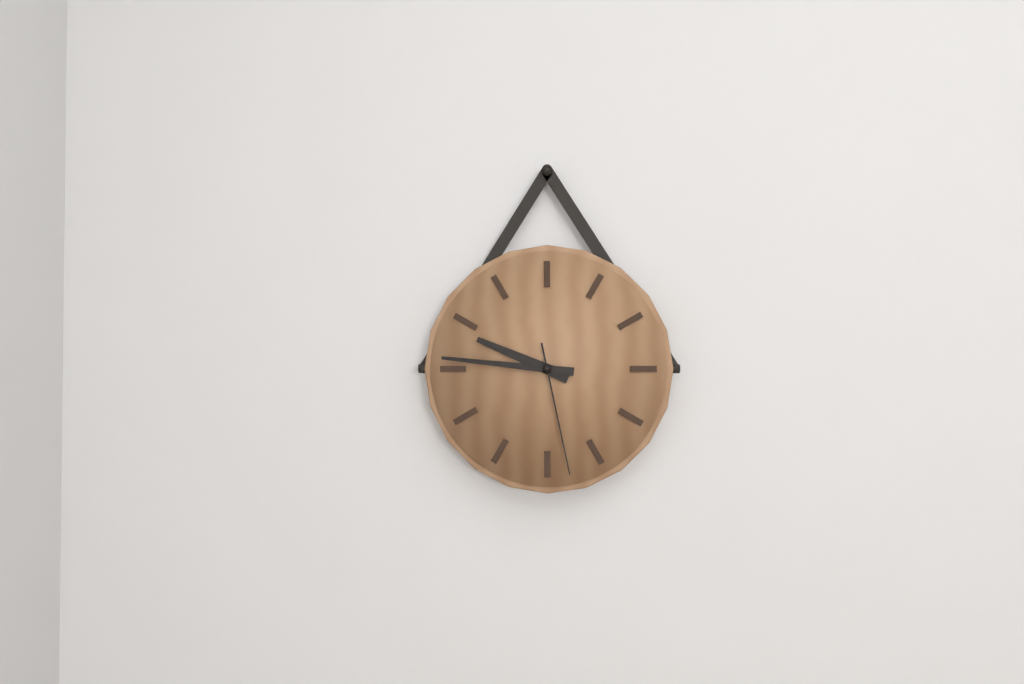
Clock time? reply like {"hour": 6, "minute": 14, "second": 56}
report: {"hour": 9, "minute": 46, "second": 28}
